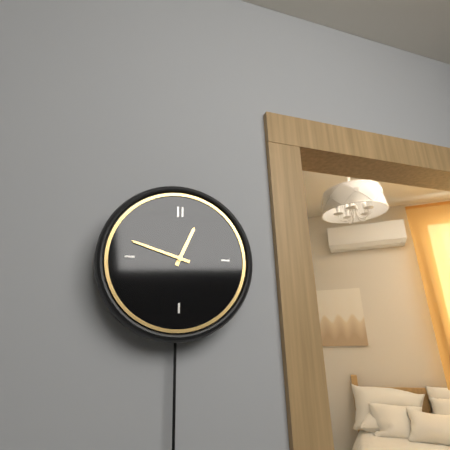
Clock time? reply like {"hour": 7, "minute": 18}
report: {"hour": 12, "minute": 48}
